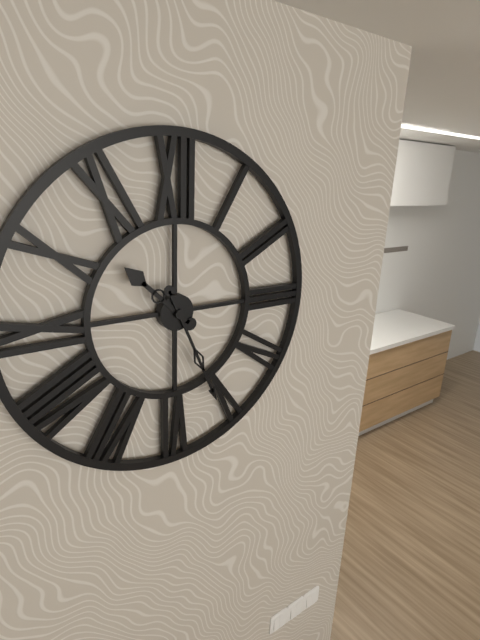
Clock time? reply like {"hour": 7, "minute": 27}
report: {"hour": 10, "minute": 26}
